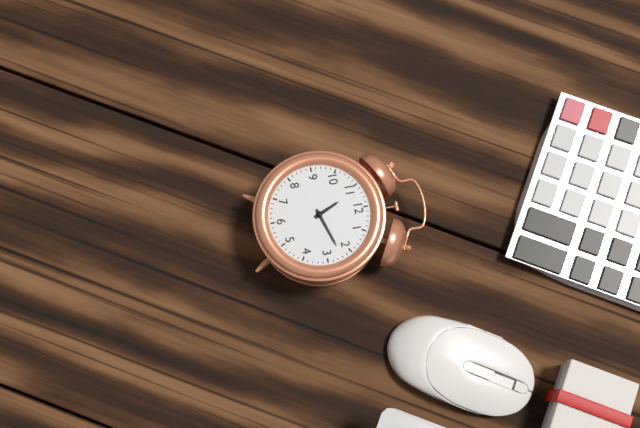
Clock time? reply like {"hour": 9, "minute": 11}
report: {"hour": 11, "minute": 12}
